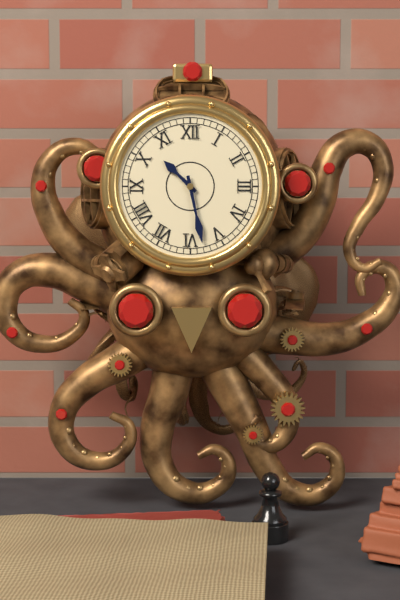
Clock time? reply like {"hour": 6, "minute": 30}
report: {"hour": 10, "minute": 28}
